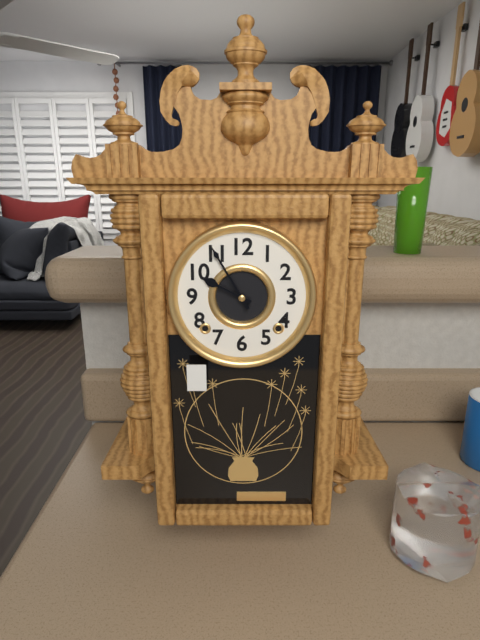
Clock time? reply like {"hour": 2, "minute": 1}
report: {"hour": 9, "minute": 55}
